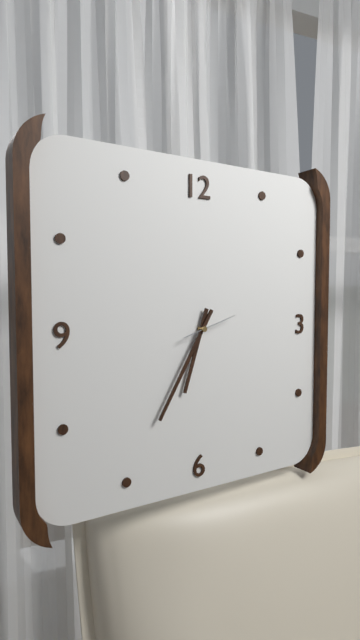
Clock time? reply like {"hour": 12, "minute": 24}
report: {"hour": 6, "minute": 35}
